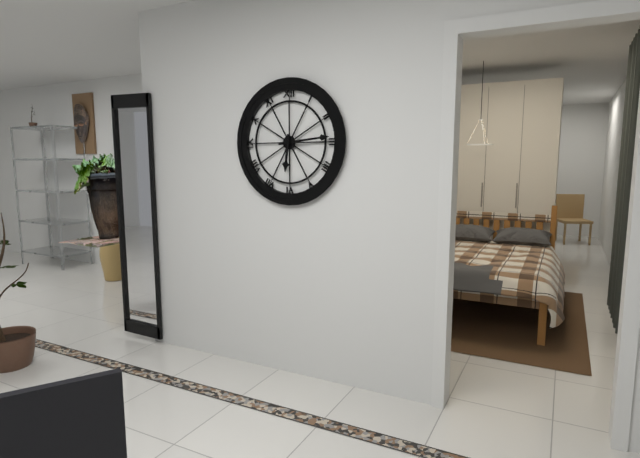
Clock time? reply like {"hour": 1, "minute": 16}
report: {"hour": 6, "minute": 14}
